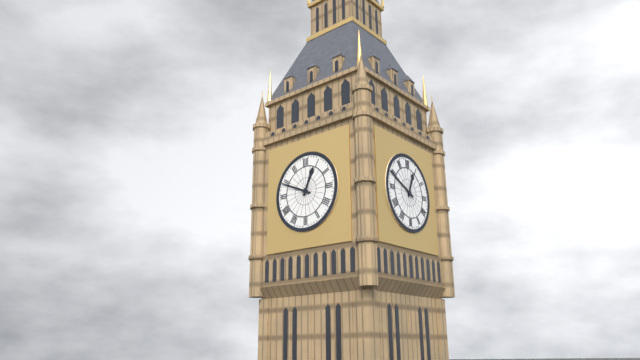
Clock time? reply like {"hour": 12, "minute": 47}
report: {"hour": 12, "minute": 49}
